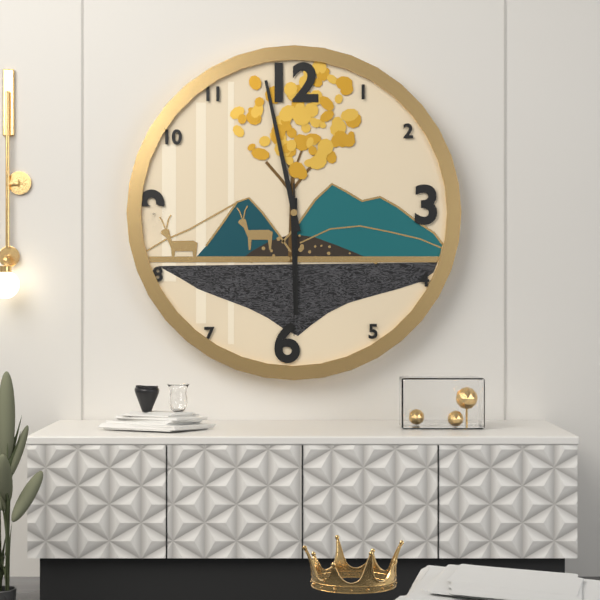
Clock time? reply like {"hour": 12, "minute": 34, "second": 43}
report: {"hour": 5, "minute": 58, "second": 30}
